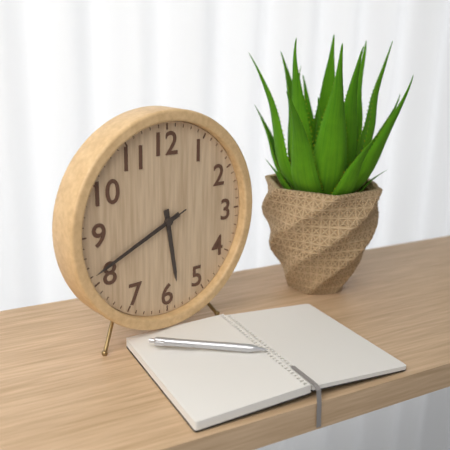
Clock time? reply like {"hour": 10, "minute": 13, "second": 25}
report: {"hour": 5, "minute": 41, "second": 41}
